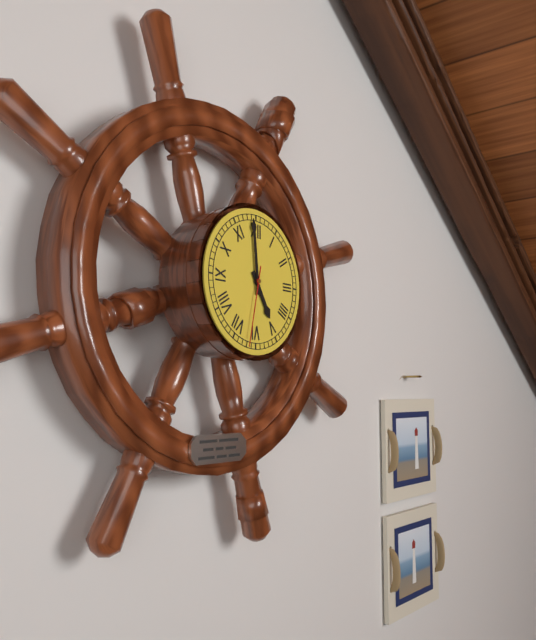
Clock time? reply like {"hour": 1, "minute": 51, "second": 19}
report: {"hour": 4, "minute": 59, "second": 32}
